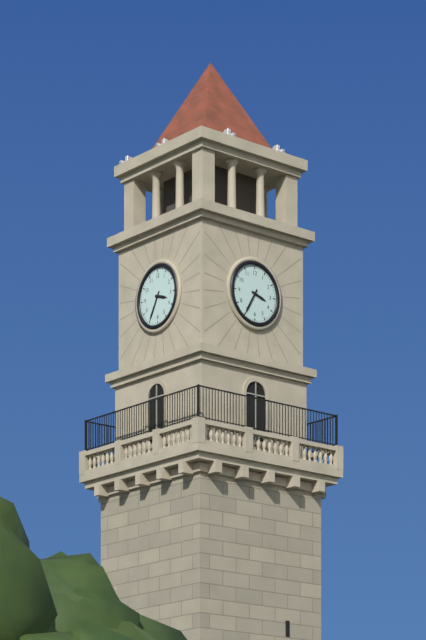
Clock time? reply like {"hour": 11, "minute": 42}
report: {"hour": 3, "minute": 35}
